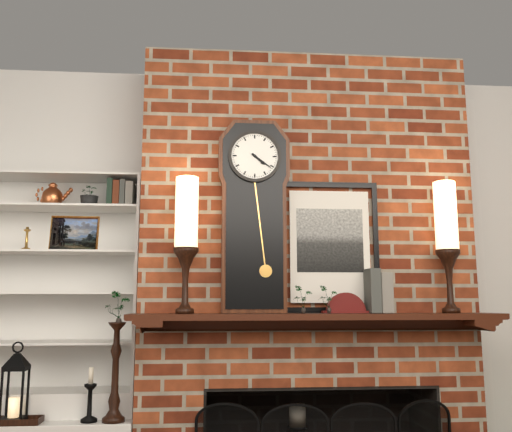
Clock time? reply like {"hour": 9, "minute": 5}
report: {"hour": 4, "minute": 21}
